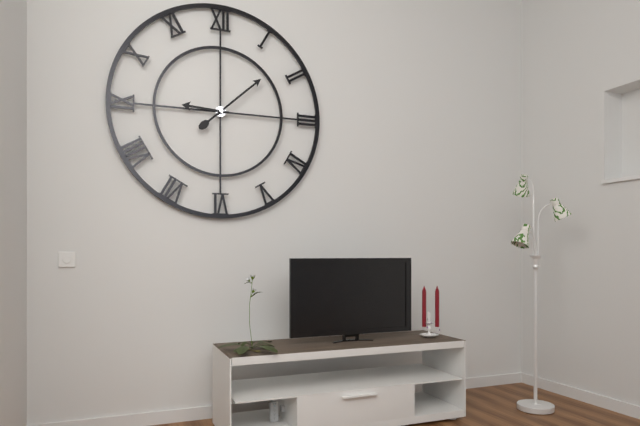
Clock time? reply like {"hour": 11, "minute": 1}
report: {"hour": 9, "minute": 8}
